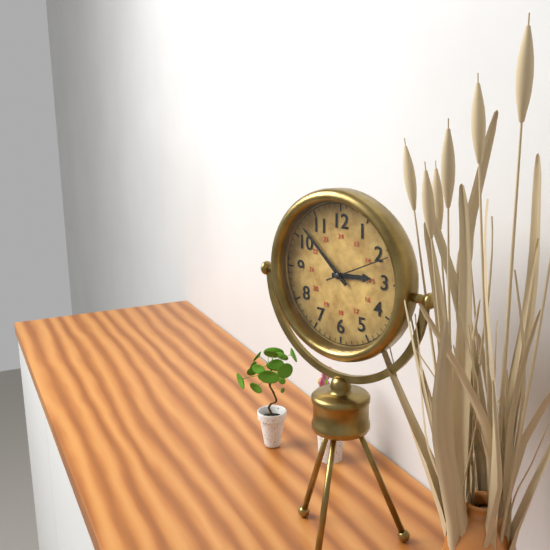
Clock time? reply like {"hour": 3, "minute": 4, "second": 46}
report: {"hour": 2, "minute": 52, "second": 11}
